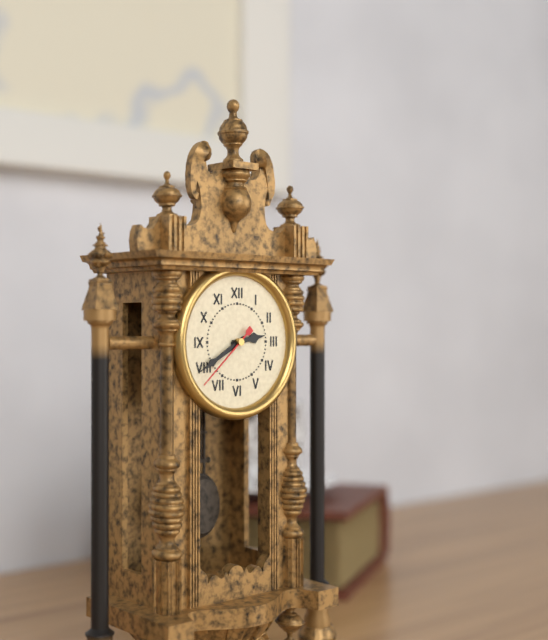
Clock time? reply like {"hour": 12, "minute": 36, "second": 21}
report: {"hour": 2, "minute": 40, "second": 38}
